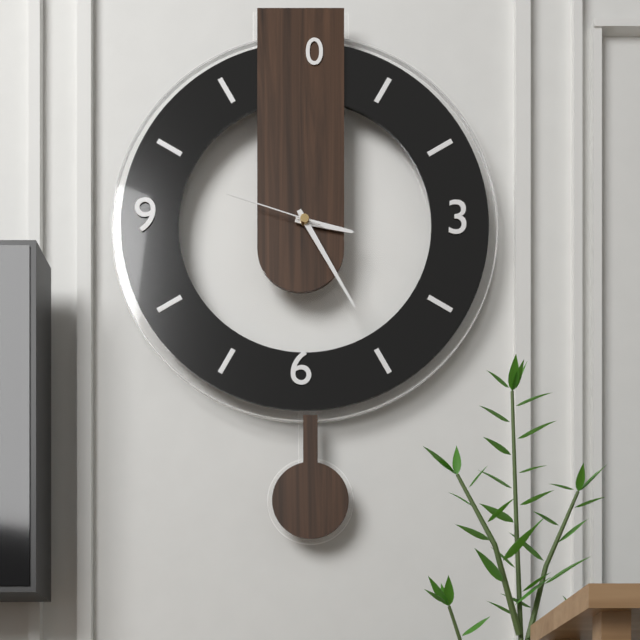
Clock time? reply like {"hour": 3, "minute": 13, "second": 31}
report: {"hour": 3, "minute": 25, "second": 48}
